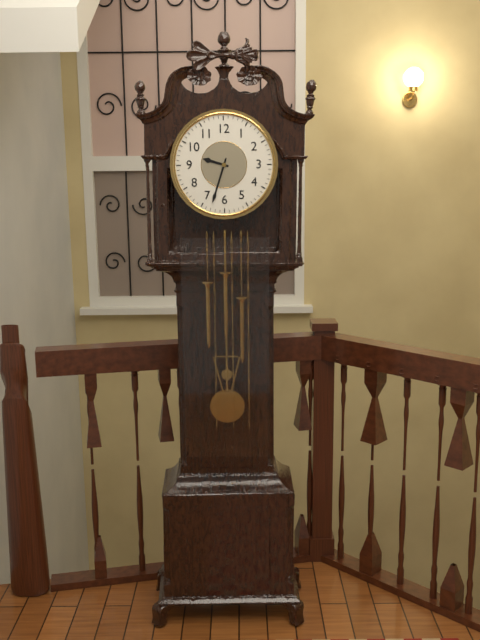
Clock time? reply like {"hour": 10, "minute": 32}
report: {"hour": 9, "minute": 33}
